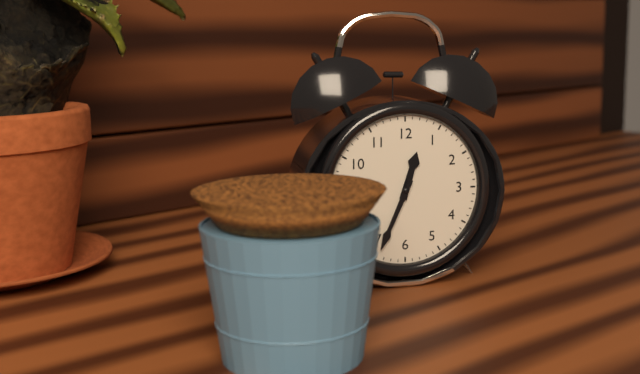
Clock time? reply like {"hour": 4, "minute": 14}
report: {"hour": 12, "minute": 34}
